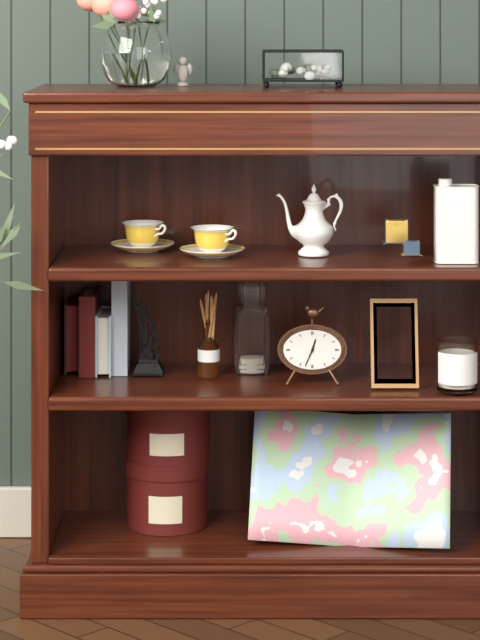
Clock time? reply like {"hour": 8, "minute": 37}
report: {"hour": 12, "minute": 34}
